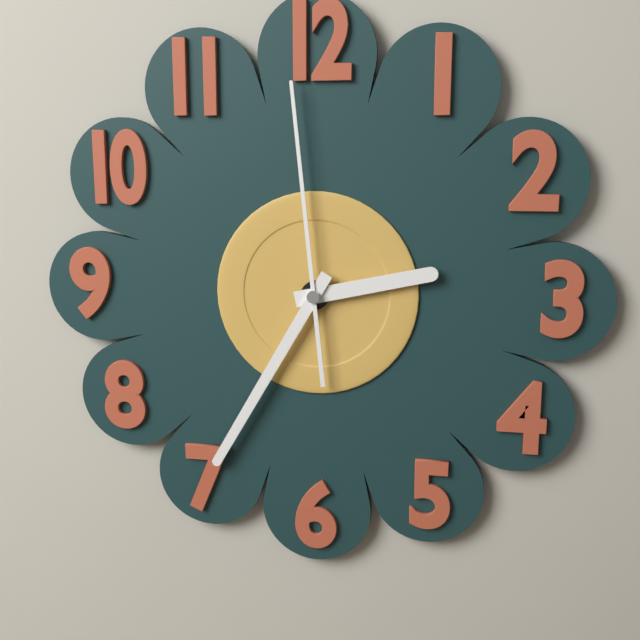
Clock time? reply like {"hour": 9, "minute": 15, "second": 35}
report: {"hour": 2, "minute": 35, "second": 59}
